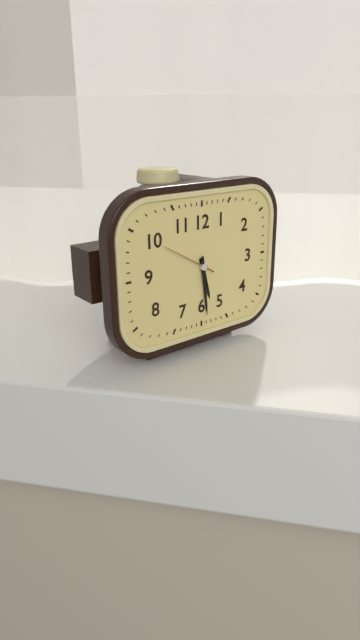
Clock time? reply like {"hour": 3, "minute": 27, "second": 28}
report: {"hour": 5, "minute": 29, "second": 50}
